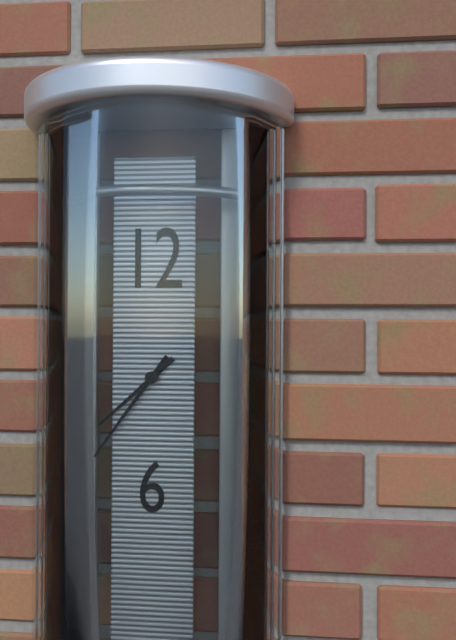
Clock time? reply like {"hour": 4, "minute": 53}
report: {"hour": 7, "minute": 36}
